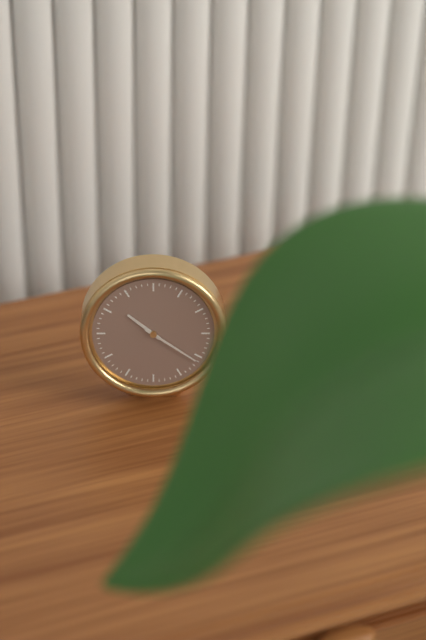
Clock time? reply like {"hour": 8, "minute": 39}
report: {"hour": 10, "minute": 21}
